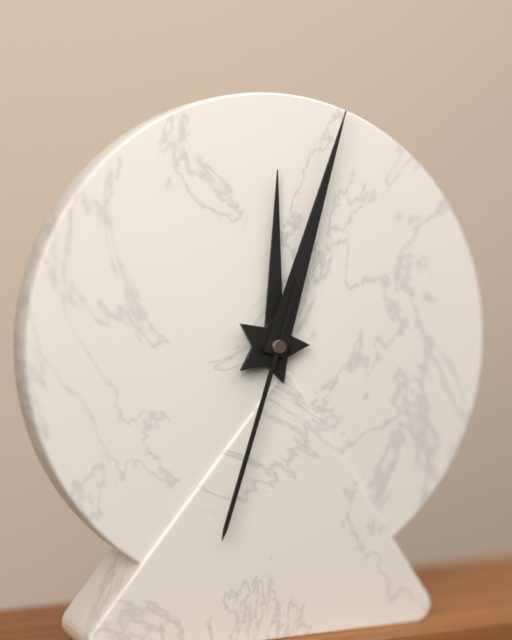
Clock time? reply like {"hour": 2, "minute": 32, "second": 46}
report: {"hour": 12, "minute": 3, "second": 33}
